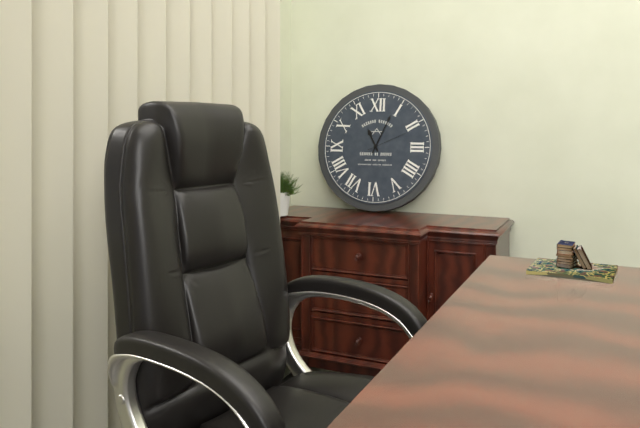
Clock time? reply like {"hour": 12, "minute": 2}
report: {"hour": 11, "minute": 4}
